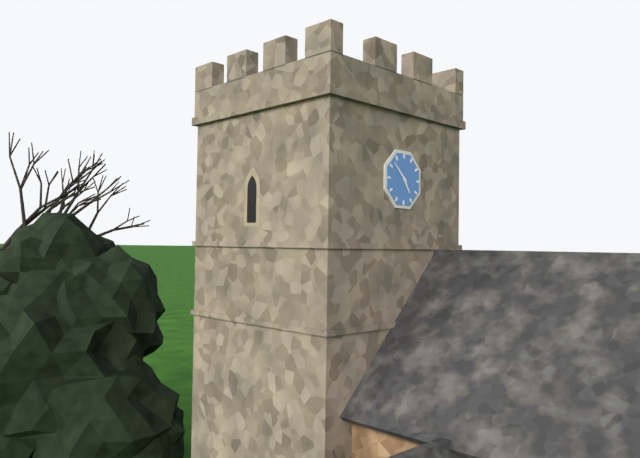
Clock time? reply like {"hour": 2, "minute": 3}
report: {"hour": 4, "minute": 52}
